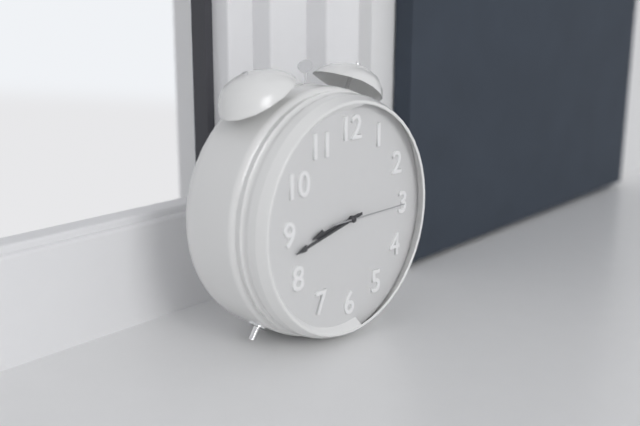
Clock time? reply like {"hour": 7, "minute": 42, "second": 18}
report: {"hour": 8, "minute": 43, "second": 15}
